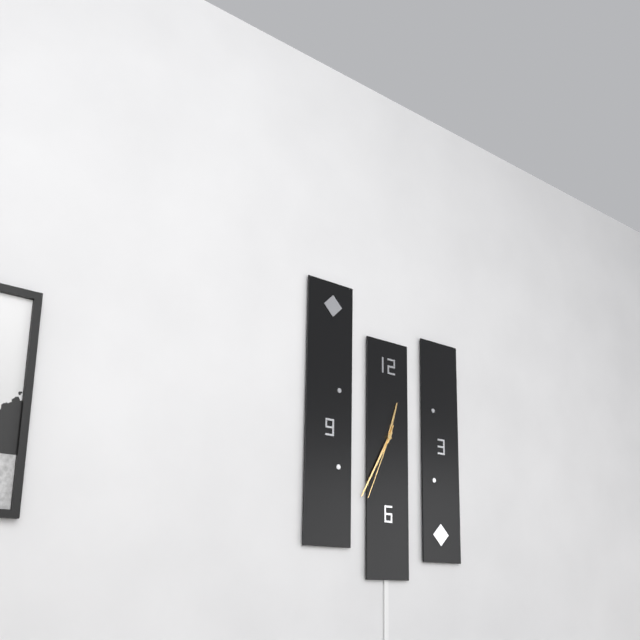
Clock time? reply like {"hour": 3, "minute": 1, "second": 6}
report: {"hour": 12, "minute": 35, "second": 34}
